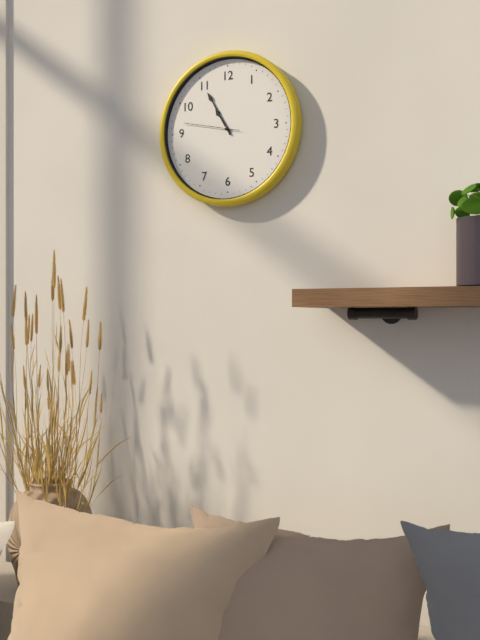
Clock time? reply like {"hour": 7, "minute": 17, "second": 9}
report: {"hour": 10, "minute": 55, "second": 47}
